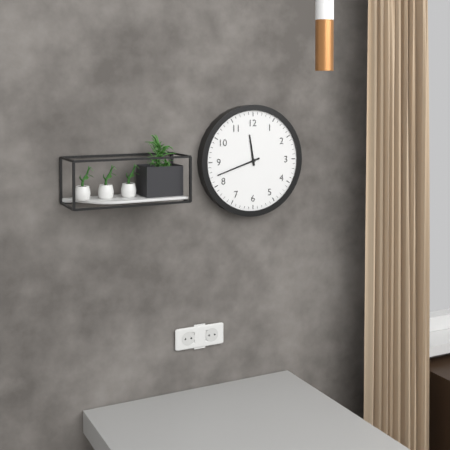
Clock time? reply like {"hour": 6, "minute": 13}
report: {"hour": 11, "minute": 42}
